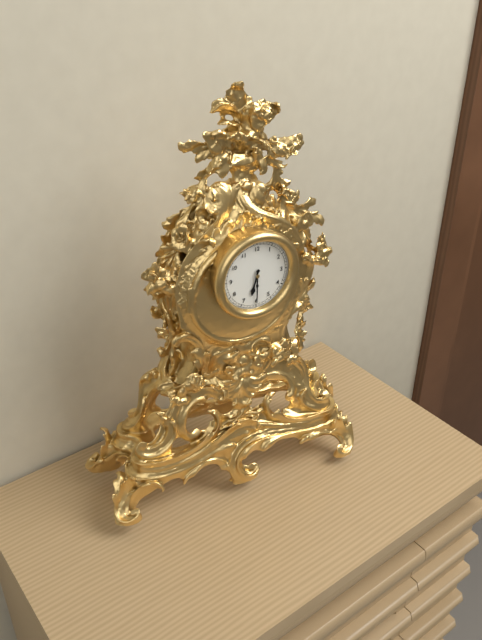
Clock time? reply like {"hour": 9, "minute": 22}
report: {"hour": 6, "minute": 30}
